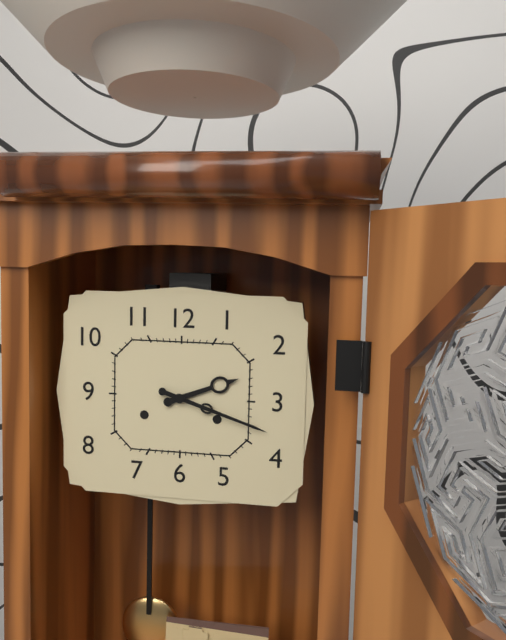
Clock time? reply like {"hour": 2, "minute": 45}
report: {"hour": 2, "minute": 18}
